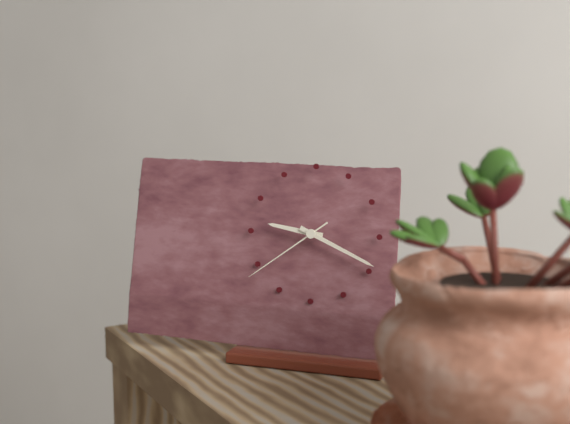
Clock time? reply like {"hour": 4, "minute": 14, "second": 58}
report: {"hour": 9, "minute": 19, "second": 39}
